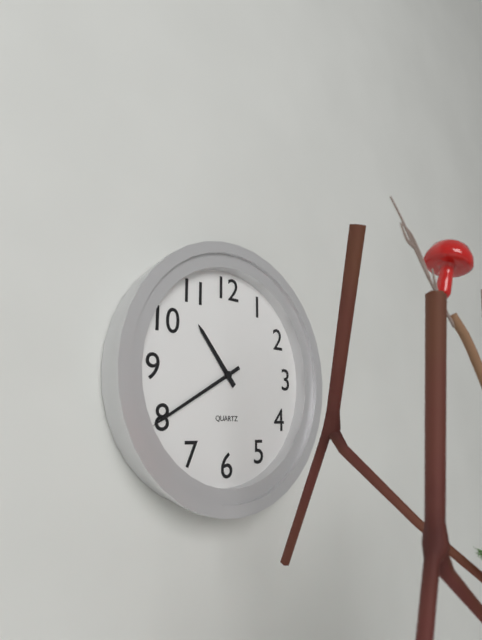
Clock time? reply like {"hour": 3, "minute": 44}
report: {"hour": 10, "minute": 40}
